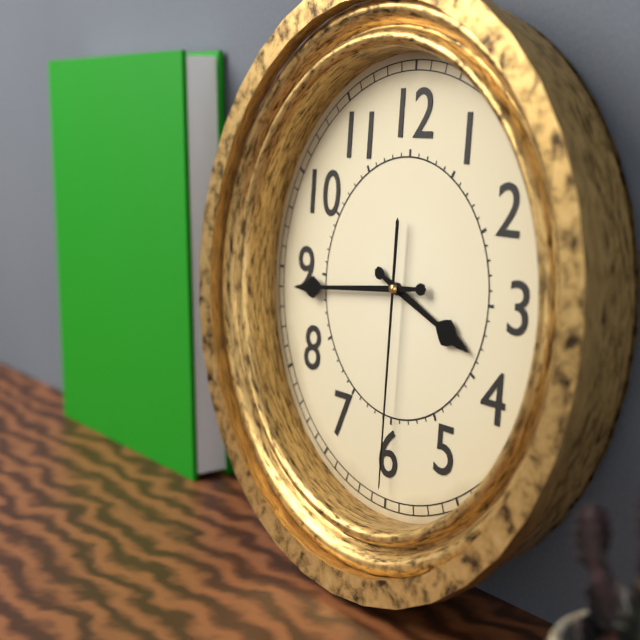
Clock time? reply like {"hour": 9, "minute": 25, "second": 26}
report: {"hour": 3, "minute": 44, "second": 30}
